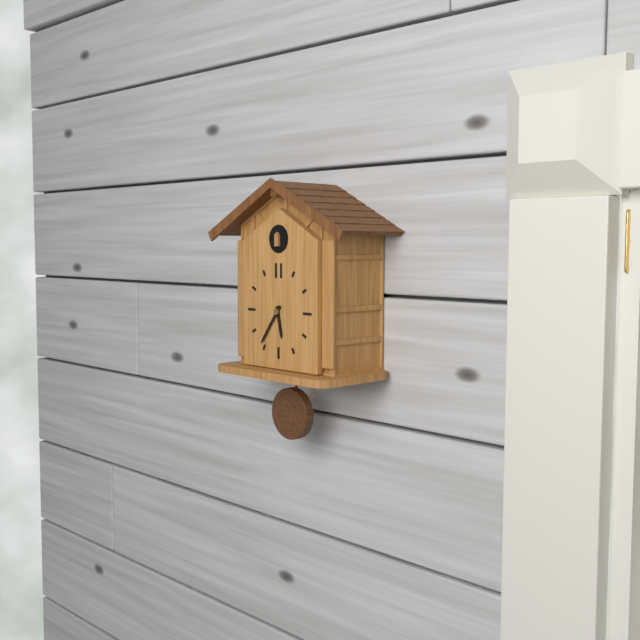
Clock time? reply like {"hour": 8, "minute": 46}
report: {"hour": 5, "minute": 36}
